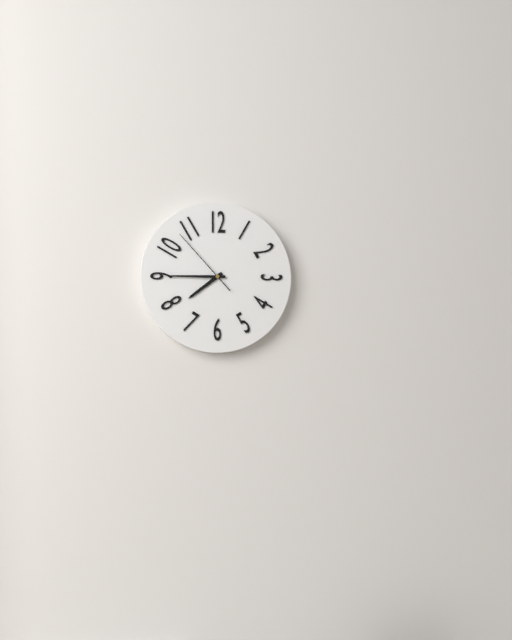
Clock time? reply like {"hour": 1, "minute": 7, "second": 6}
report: {"hour": 7, "minute": 45, "second": 53}
